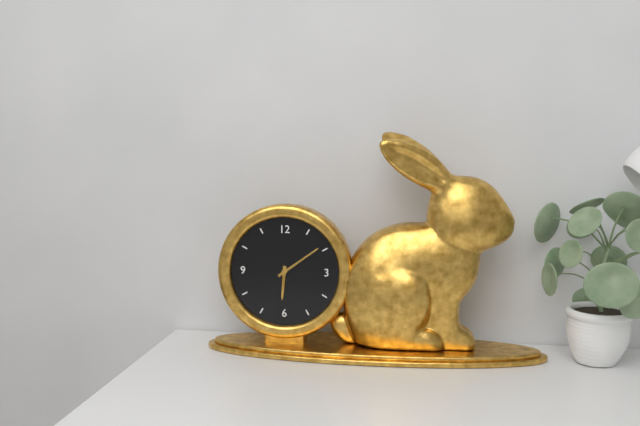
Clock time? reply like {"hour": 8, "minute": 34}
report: {"hour": 6, "minute": 9}
